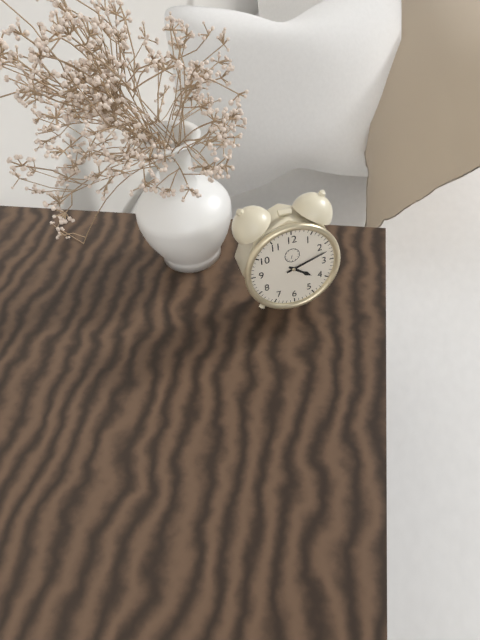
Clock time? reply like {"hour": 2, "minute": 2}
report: {"hour": 4, "minute": 12}
